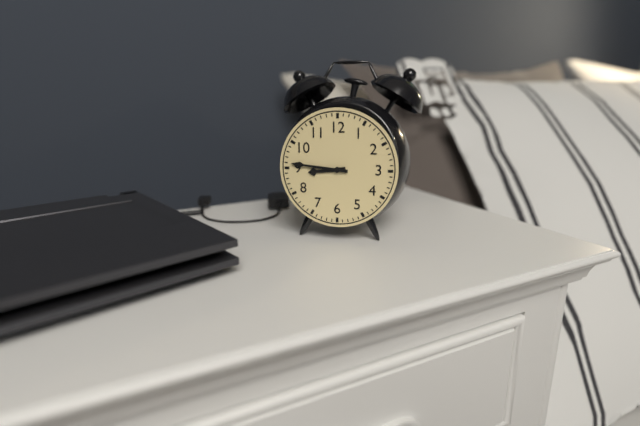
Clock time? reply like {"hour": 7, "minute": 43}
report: {"hour": 8, "minute": 46}
